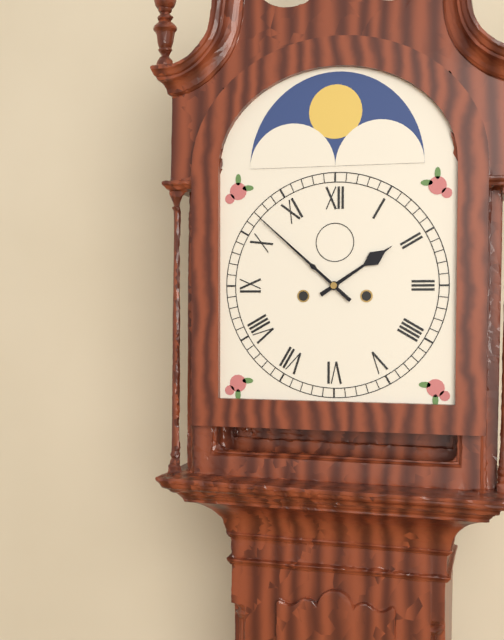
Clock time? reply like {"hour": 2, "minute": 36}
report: {"hour": 1, "minute": 52}
